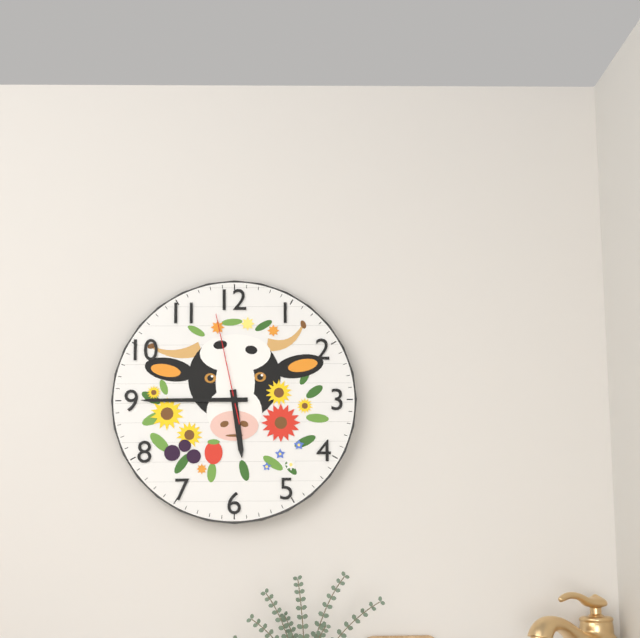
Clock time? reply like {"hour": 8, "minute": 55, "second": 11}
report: {"hour": 5, "minute": 45, "second": 58}
